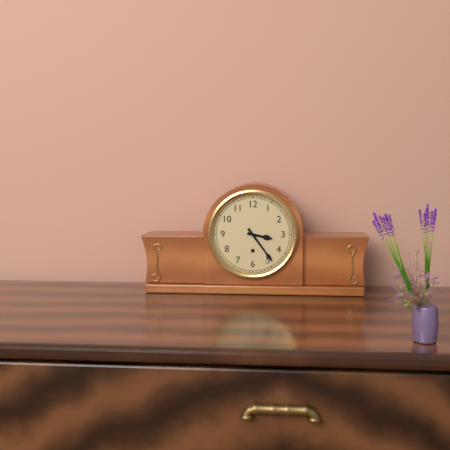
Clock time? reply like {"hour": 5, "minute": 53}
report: {"hour": 3, "minute": 24}
